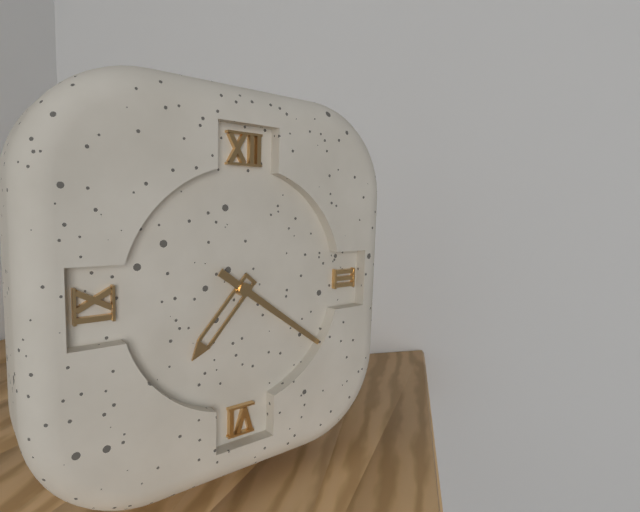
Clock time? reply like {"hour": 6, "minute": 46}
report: {"hour": 7, "minute": 21}
